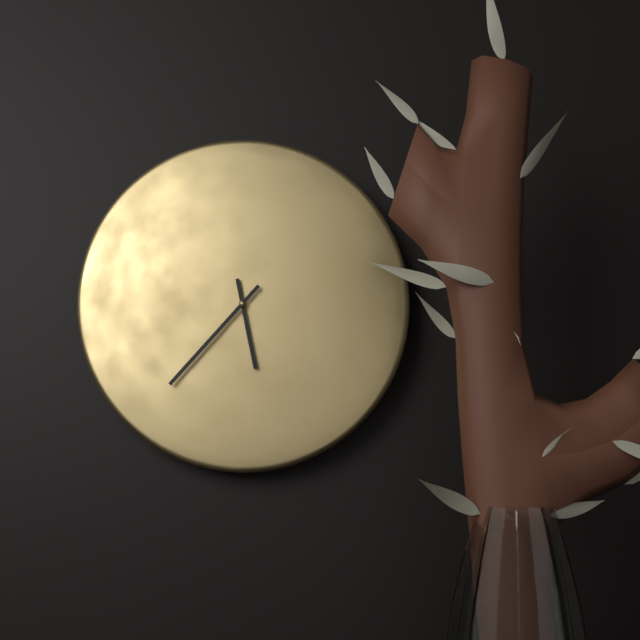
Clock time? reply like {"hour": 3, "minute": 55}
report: {"hour": 5, "minute": 37}
